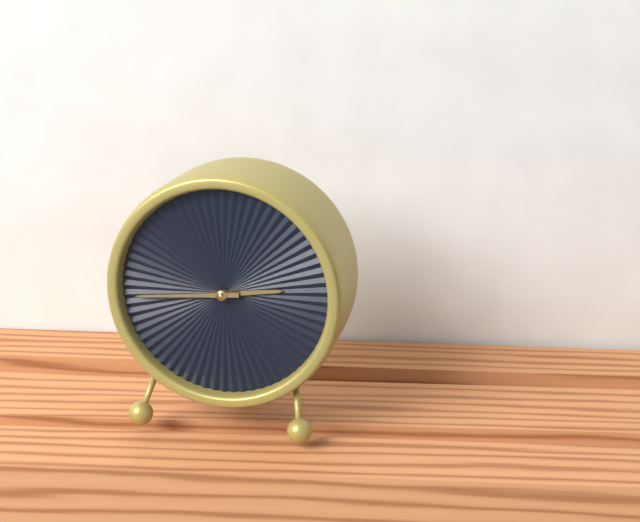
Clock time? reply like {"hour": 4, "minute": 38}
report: {"hour": 2, "minute": 44}
